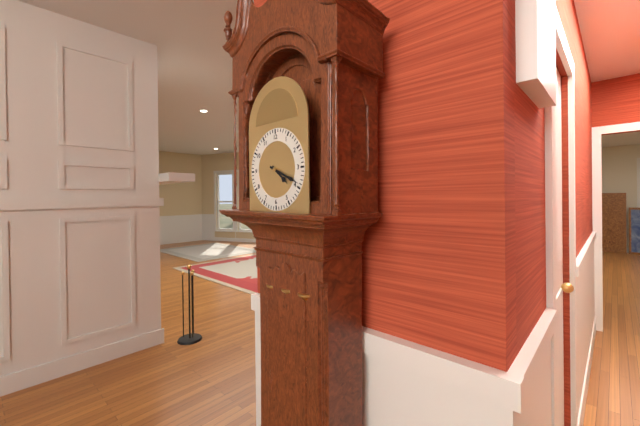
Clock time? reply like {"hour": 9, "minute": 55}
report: {"hour": 4, "minute": 19}
